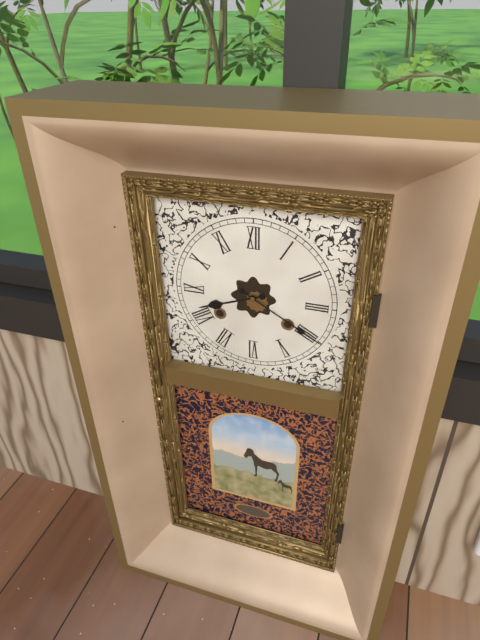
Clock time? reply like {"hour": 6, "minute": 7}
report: {"hour": 8, "minute": 20}
